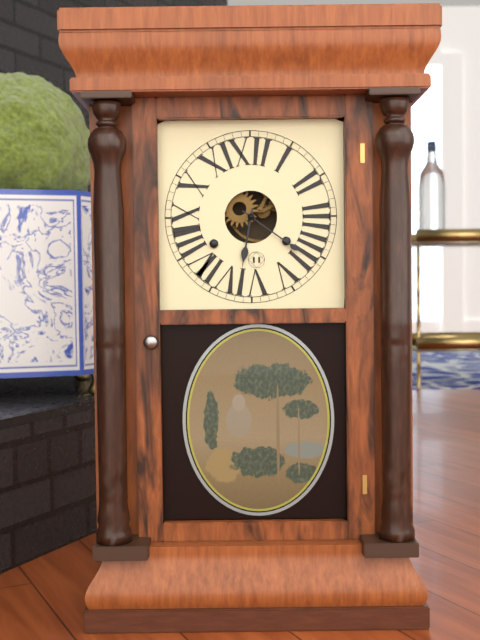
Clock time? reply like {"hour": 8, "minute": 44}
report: {"hour": 6, "minute": 21}
